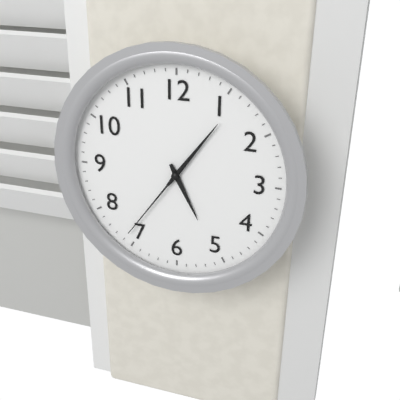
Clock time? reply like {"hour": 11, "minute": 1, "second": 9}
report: {"hour": 5, "minute": 6, "second": 36}
